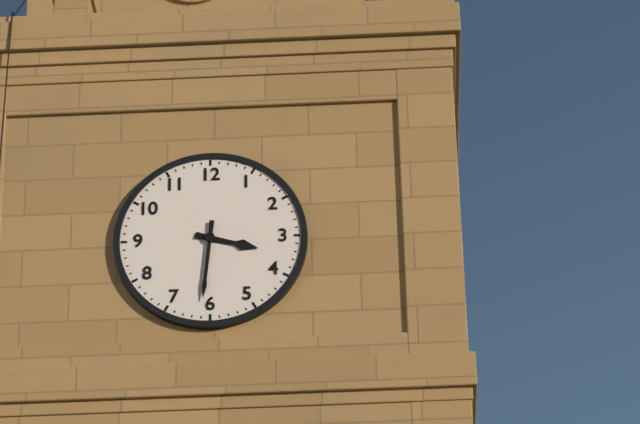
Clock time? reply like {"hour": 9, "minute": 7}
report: {"hour": 3, "minute": 31}
